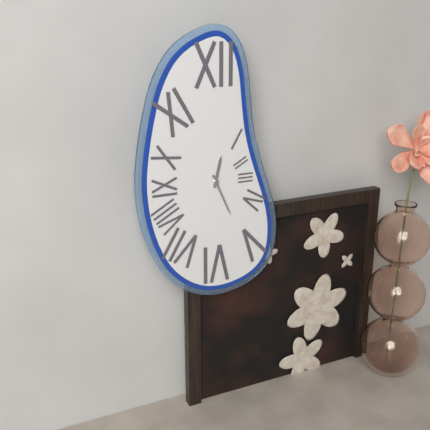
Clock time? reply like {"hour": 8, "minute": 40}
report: {"hour": 12, "minute": 26}
